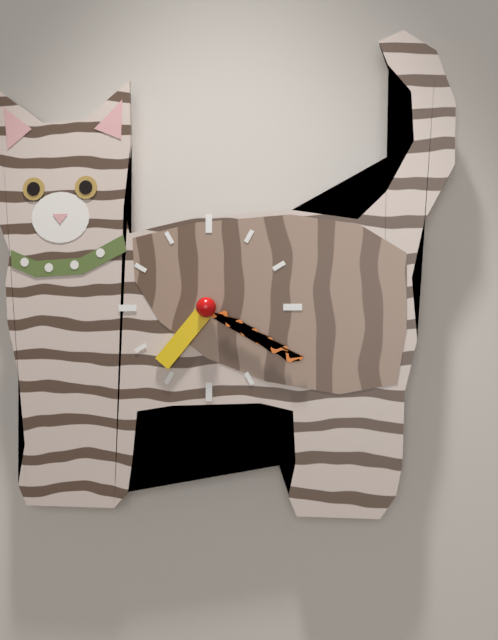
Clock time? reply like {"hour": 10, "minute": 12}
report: {"hour": 7, "minute": 20}
